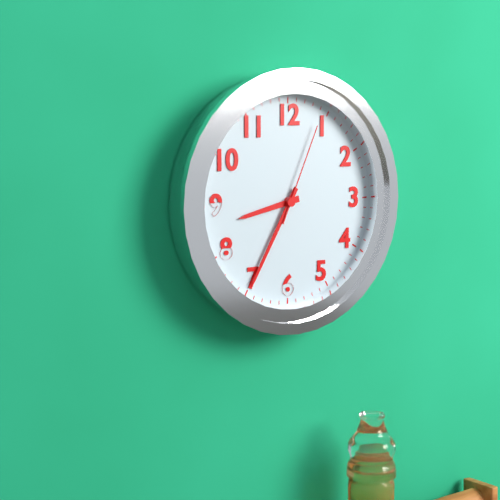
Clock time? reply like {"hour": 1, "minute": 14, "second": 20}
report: {"hour": 8, "minute": 35, "second": 4}
